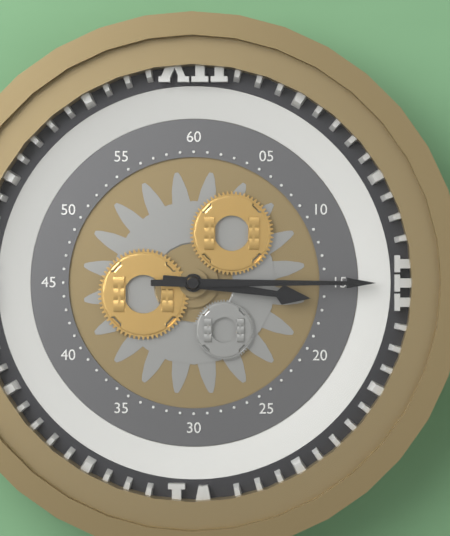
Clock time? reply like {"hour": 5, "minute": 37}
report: {"hour": 3, "minute": 15}
